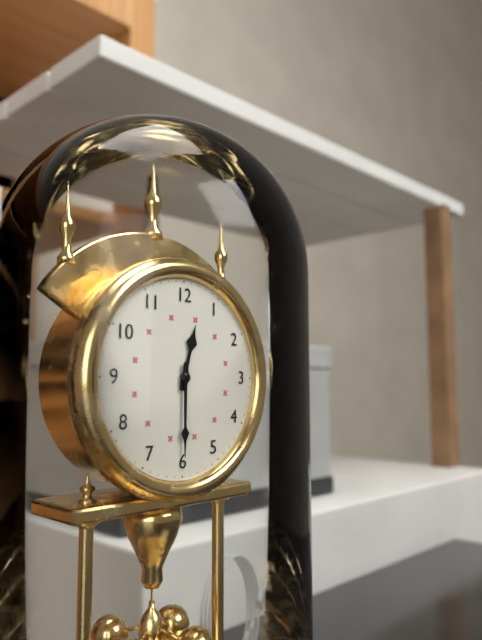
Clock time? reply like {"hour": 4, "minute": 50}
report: {"hour": 12, "minute": 30}
